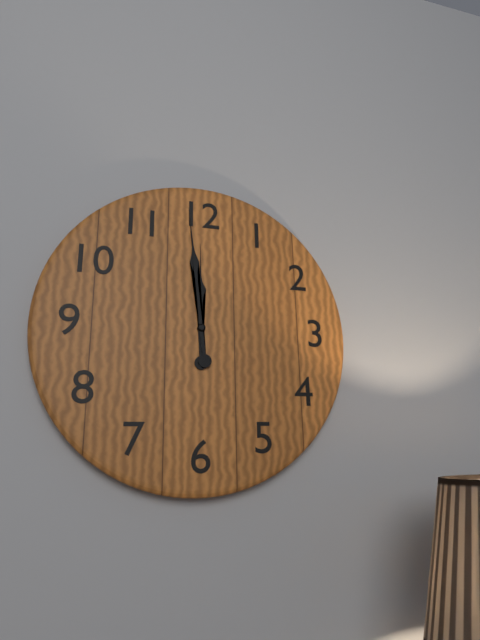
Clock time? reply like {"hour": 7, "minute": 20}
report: {"hour": 11, "minute": 59}
